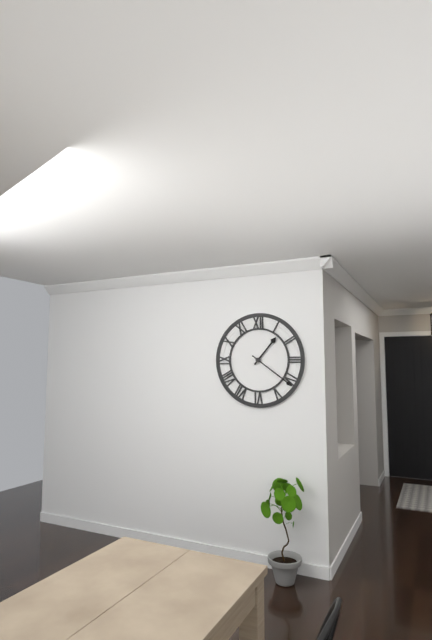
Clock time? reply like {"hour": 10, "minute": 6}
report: {"hour": 1, "minute": 21}
